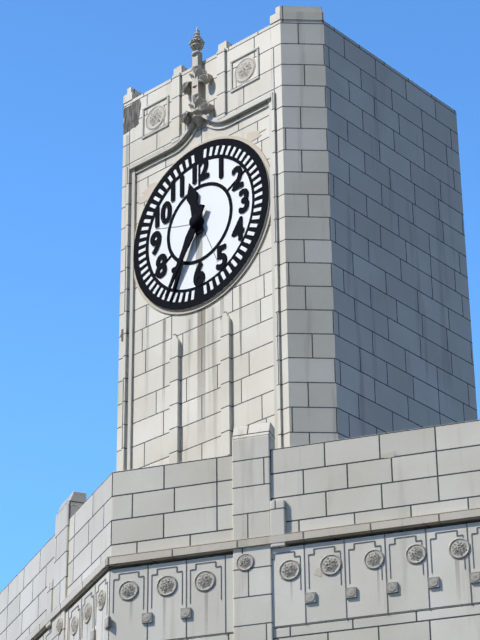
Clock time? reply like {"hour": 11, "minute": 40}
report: {"hour": 11, "minute": 35}
